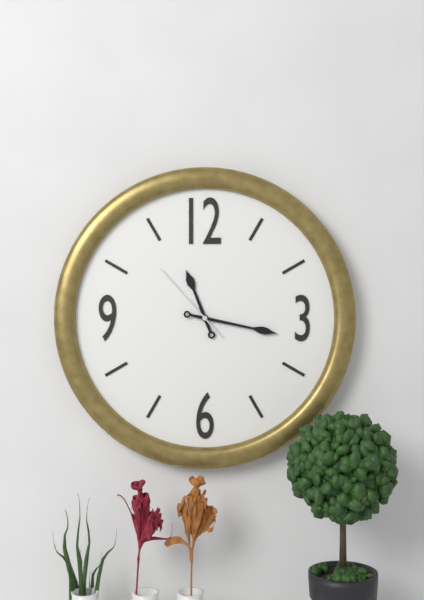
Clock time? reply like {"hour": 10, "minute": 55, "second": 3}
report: {"hour": 11, "minute": 17, "second": 53}
